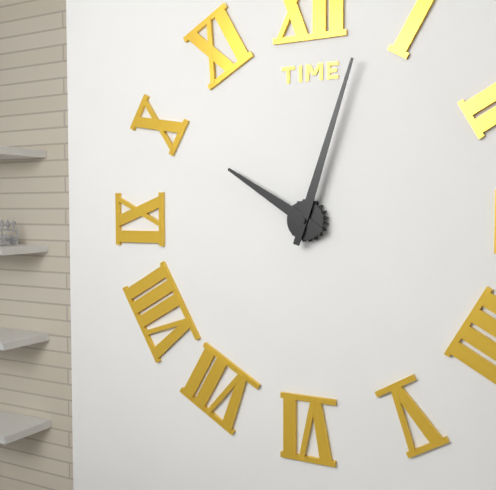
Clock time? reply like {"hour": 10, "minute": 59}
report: {"hour": 10, "minute": 3}
